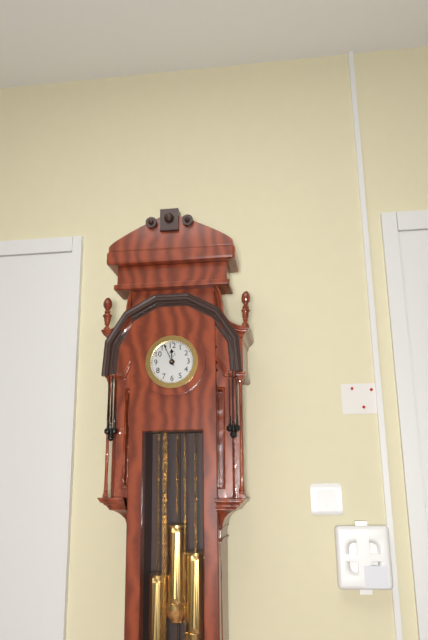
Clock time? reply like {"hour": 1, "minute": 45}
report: {"hour": 11, "minute": 56}
